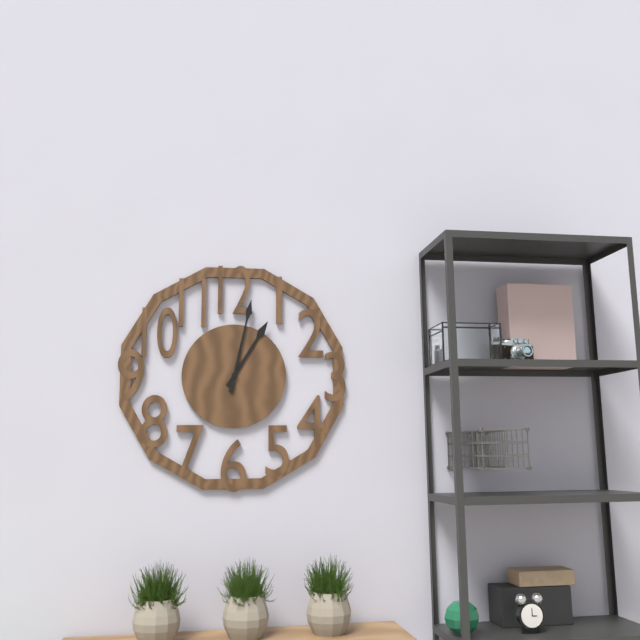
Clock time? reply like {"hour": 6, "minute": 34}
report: {"hour": 1, "minute": 2}
